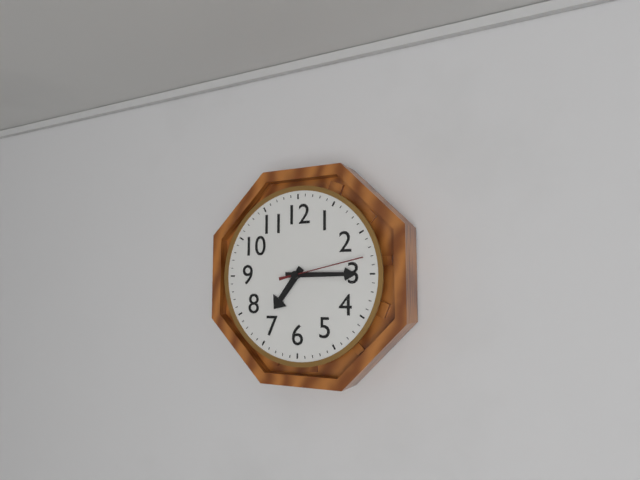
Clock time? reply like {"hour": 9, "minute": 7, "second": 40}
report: {"hour": 7, "minute": 15, "second": 13}
